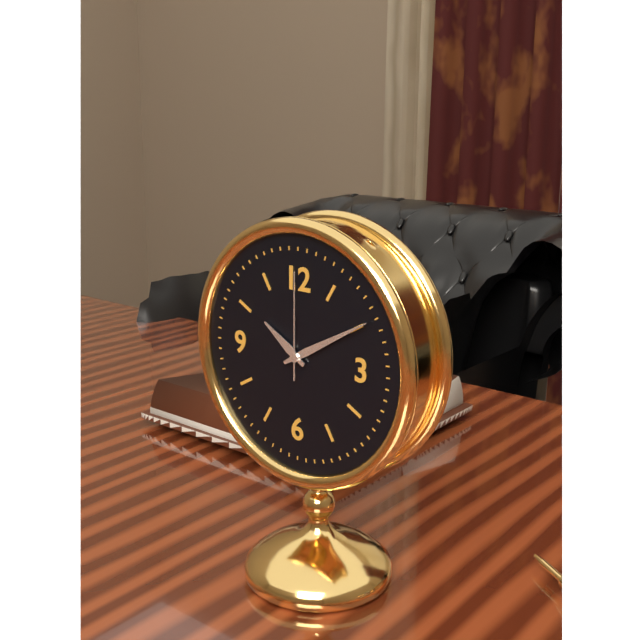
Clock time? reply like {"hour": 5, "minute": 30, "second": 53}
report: {"hour": 10, "minute": 10, "second": 0}
